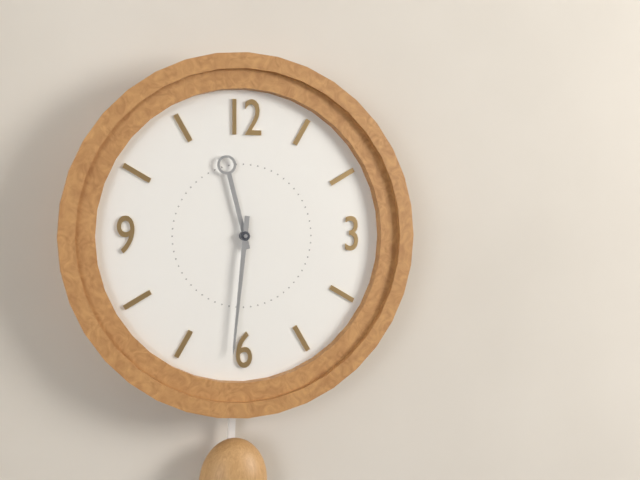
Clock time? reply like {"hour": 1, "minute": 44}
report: {"hour": 11, "minute": 31}
